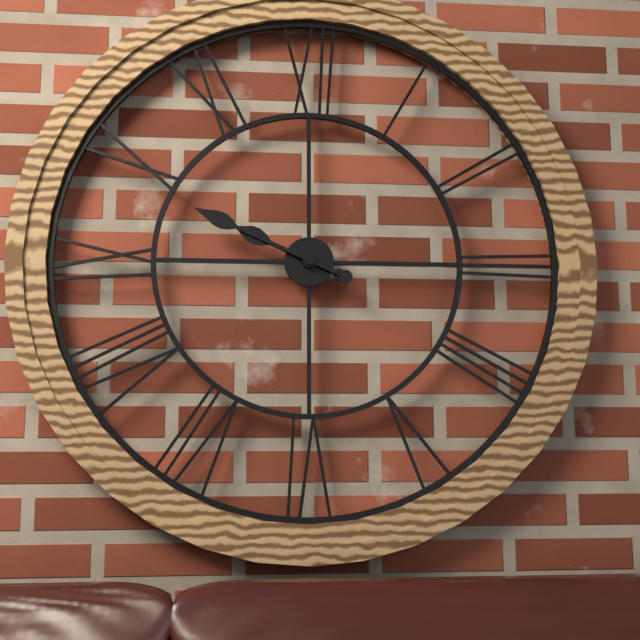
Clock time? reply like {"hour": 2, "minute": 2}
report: {"hour": 9, "minute": 49}
